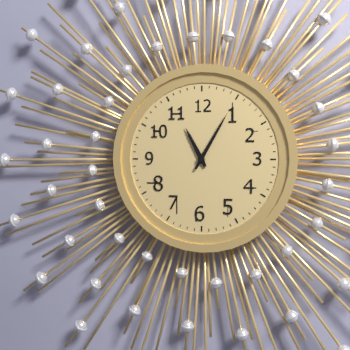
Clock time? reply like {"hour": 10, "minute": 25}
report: {"hour": 11, "minute": 5}
